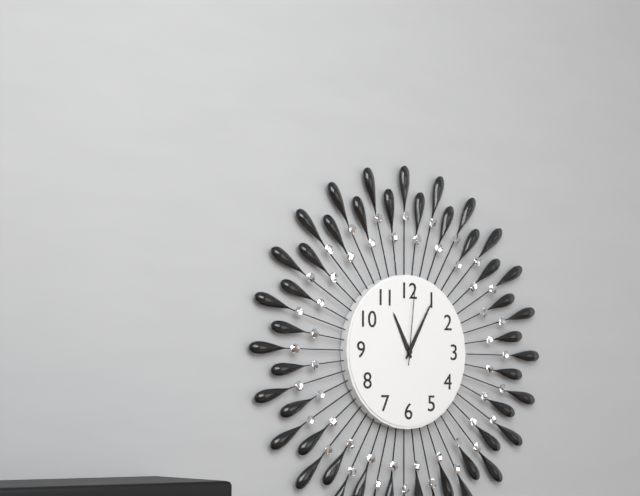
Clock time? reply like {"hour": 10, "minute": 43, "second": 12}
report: {"hour": 11, "minute": 5, "second": 1}
